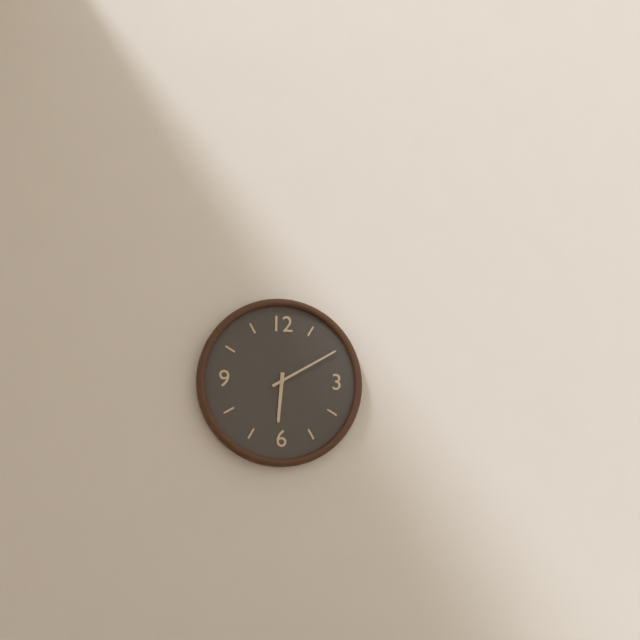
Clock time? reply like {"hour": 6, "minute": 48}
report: {"hour": 6, "minute": 10}
